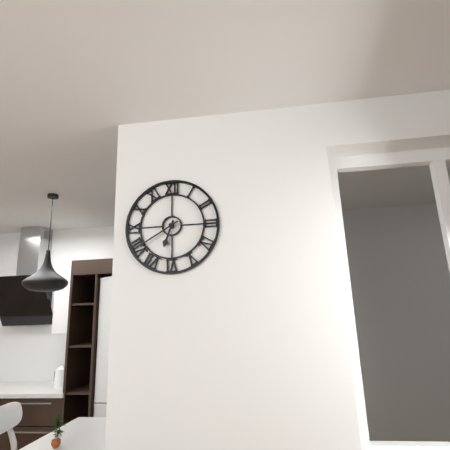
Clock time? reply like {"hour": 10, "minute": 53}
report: {"hour": 6, "minute": 40}
